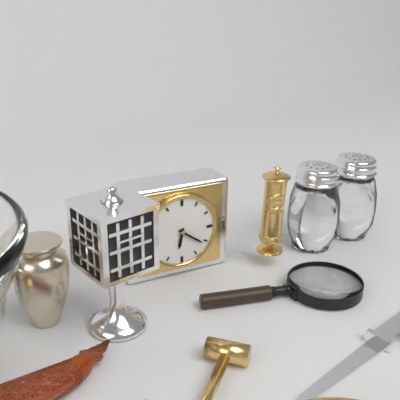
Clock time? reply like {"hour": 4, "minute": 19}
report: {"hour": 6, "minute": 21}
